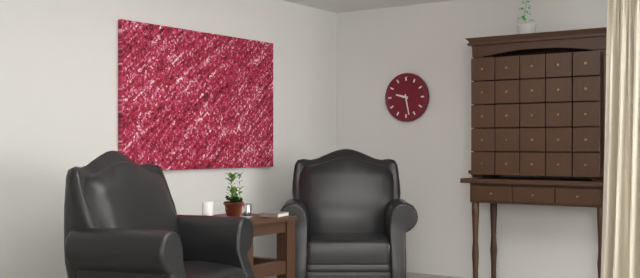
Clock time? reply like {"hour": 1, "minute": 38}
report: {"hour": 9, "minute": 28}
